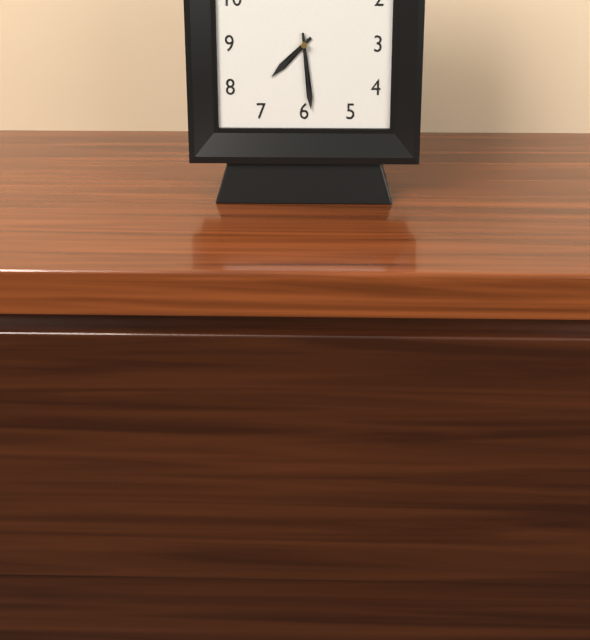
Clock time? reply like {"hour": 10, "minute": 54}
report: {"hour": 7, "minute": 29}
